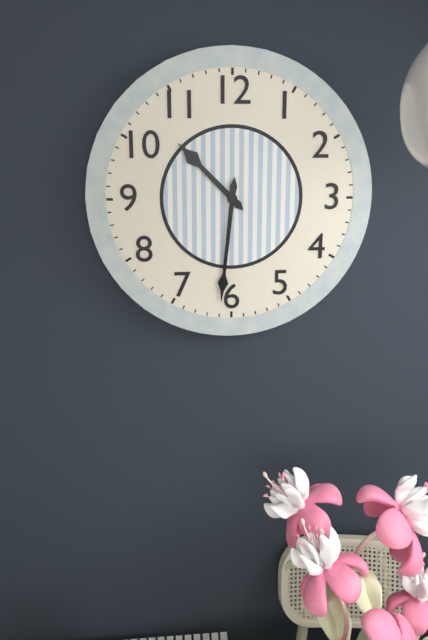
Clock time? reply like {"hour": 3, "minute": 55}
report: {"hour": 10, "minute": 31}
